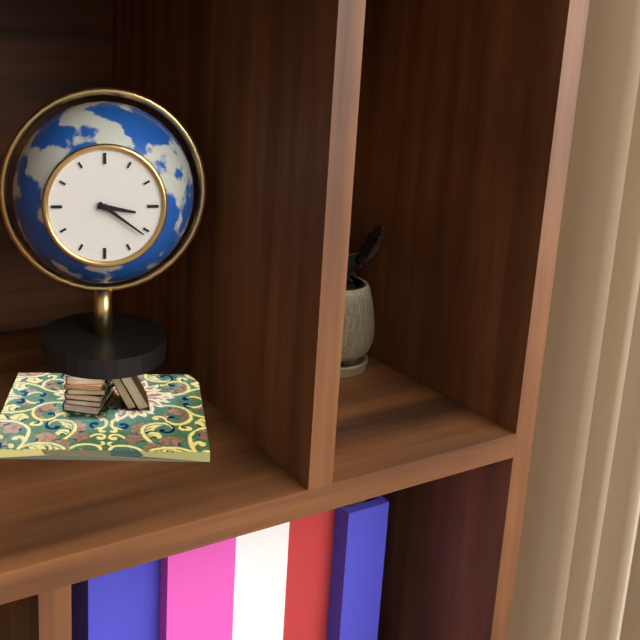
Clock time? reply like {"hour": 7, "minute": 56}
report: {"hour": 3, "minute": 21}
